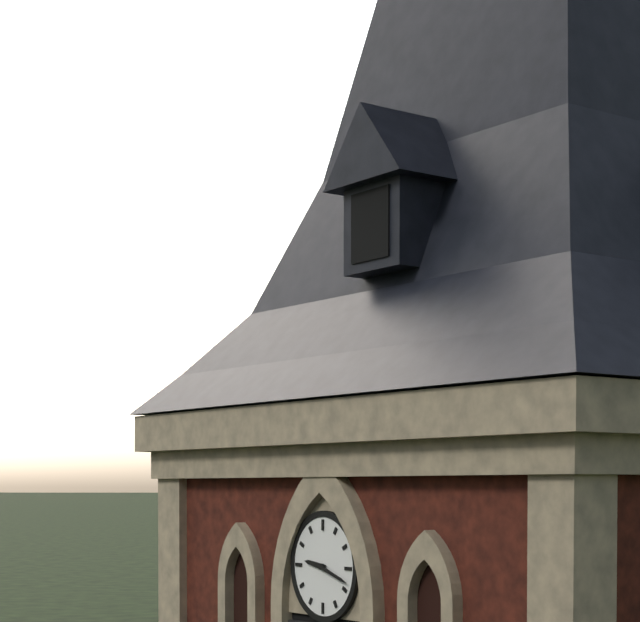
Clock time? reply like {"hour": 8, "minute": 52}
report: {"hour": 9, "minute": 18}
